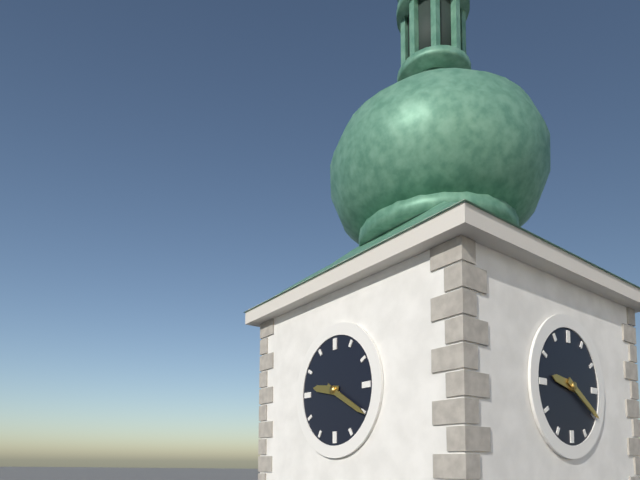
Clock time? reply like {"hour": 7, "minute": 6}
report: {"hour": 9, "minute": 20}
